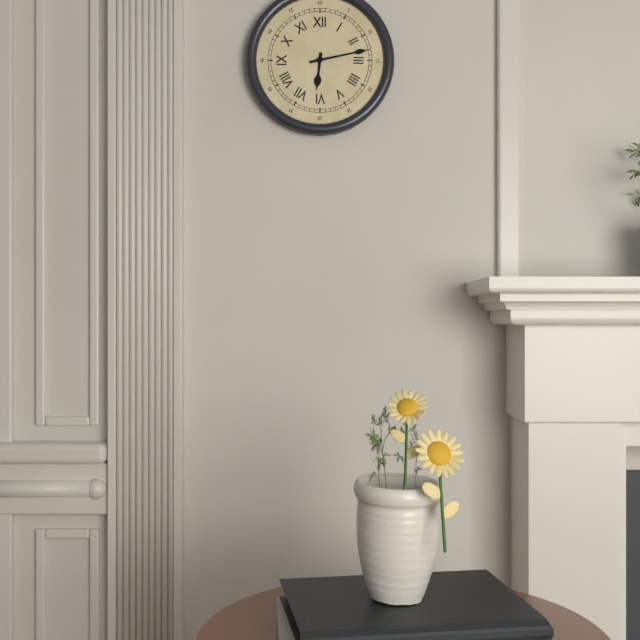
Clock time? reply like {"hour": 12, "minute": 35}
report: {"hour": 6, "minute": 13}
